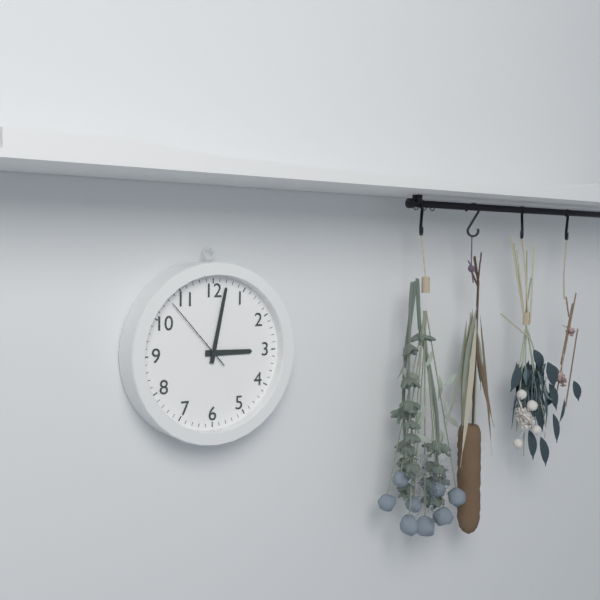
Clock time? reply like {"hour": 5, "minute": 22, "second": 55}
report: {"hour": 3, "minute": 2, "second": 53}
